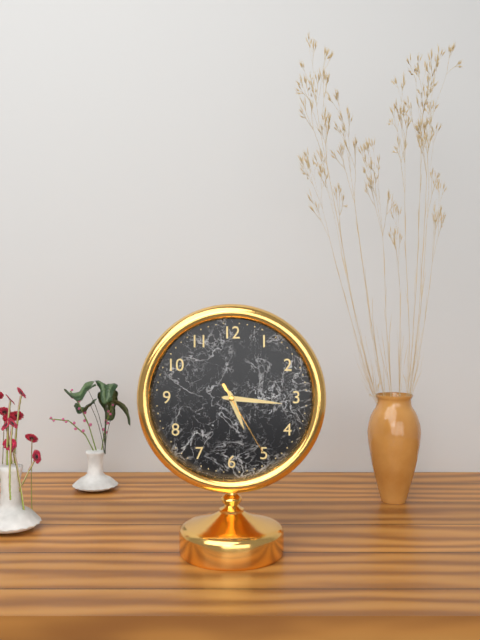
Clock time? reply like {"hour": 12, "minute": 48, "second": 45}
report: {"hour": 5, "minute": 16, "second": 25}
